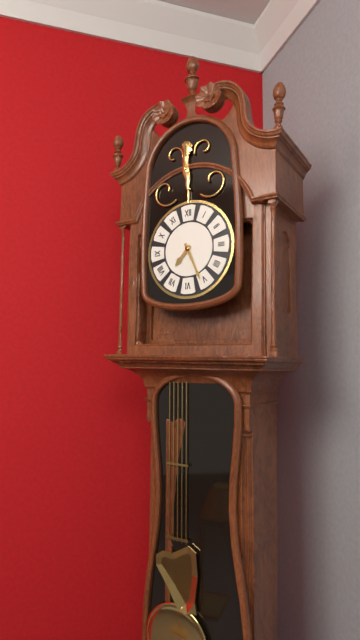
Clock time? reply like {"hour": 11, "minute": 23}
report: {"hour": 7, "minute": 26}
